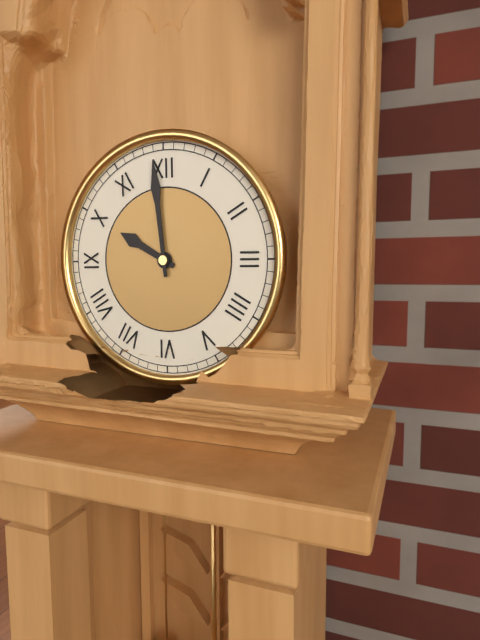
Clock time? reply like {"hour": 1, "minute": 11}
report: {"hour": 9, "minute": 59}
